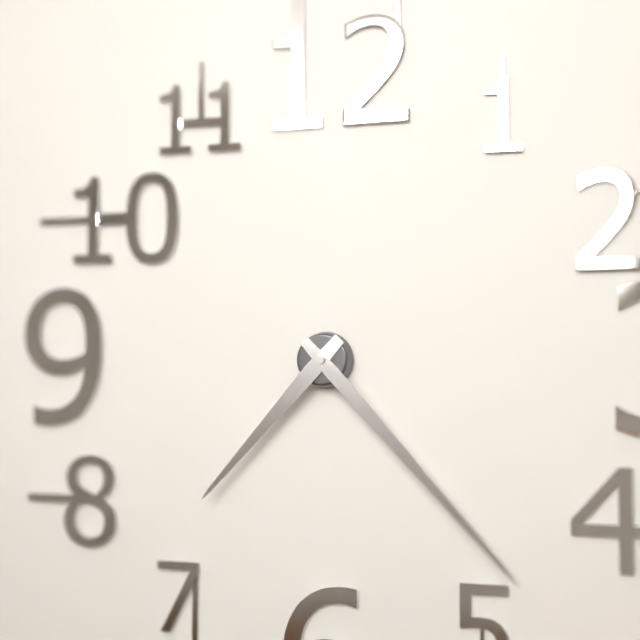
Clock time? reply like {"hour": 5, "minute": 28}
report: {"hour": 7, "minute": 23}
